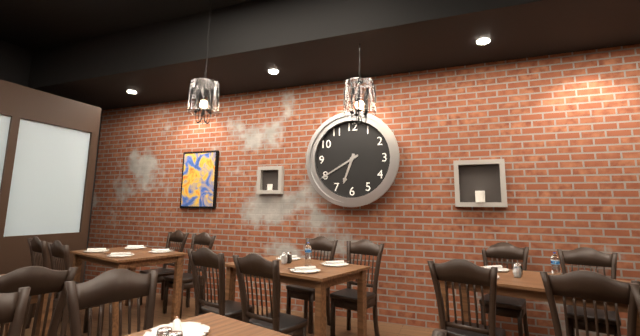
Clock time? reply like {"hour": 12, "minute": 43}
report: {"hour": 6, "minute": 40}
